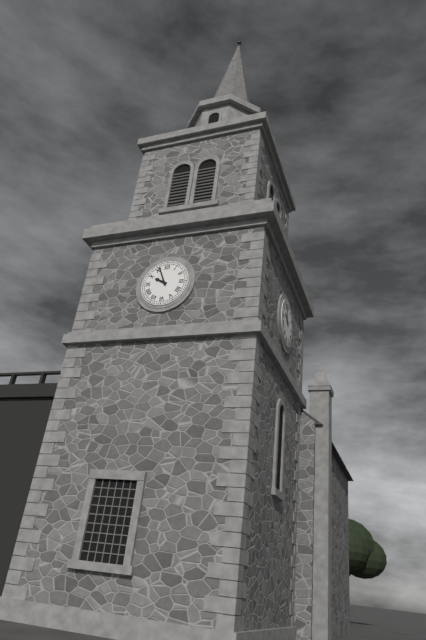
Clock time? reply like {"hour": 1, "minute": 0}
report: {"hour": 9, "minute": 56}
